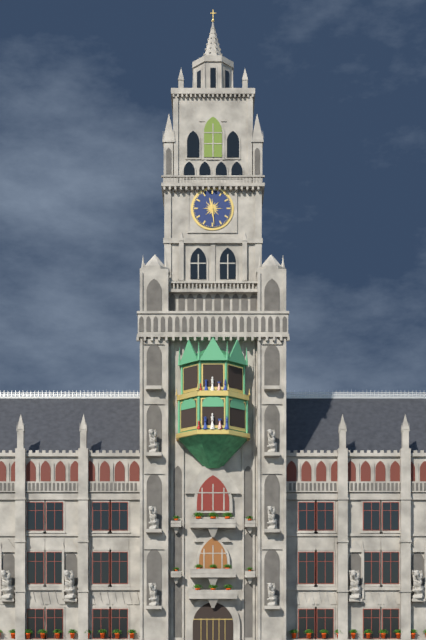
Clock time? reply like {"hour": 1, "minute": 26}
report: {"hour": 11, "minute": 29}
